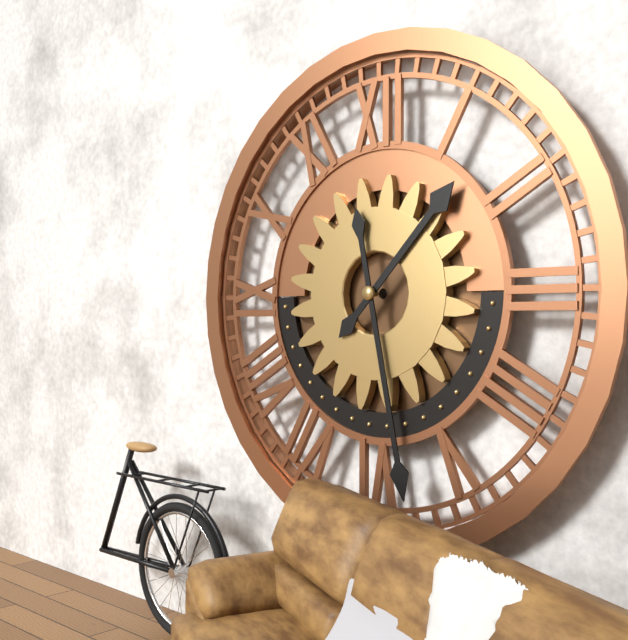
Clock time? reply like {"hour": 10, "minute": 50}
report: {"hour": 1, "minute": 28}
